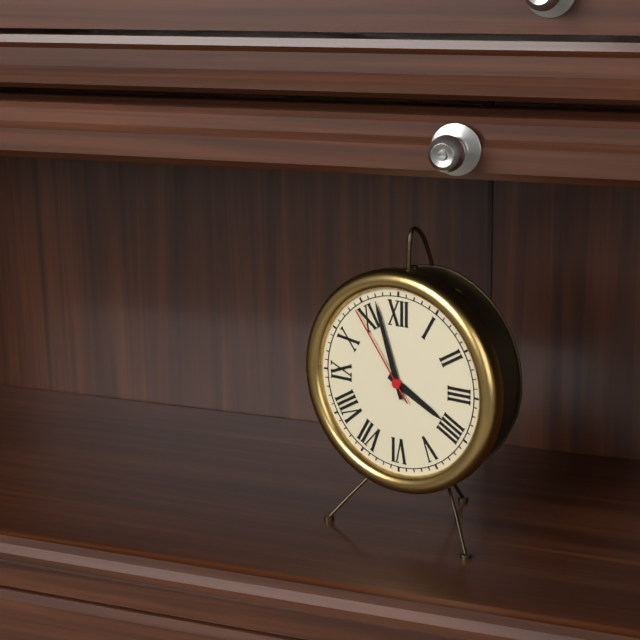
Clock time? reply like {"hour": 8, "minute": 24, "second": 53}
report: {"hour": 3, "minute": 57, "second": 54}
